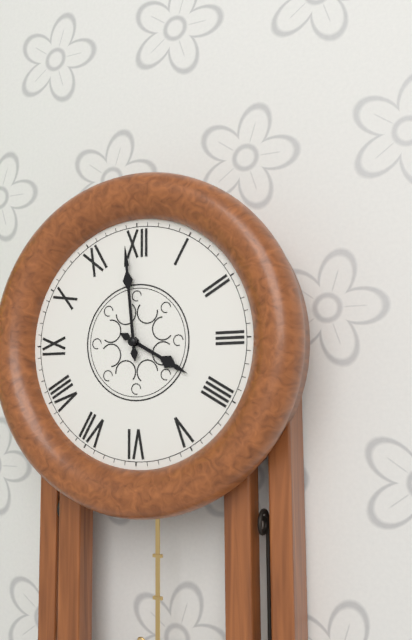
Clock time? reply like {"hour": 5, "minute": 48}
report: {"hour": 3, "minute": 59}
